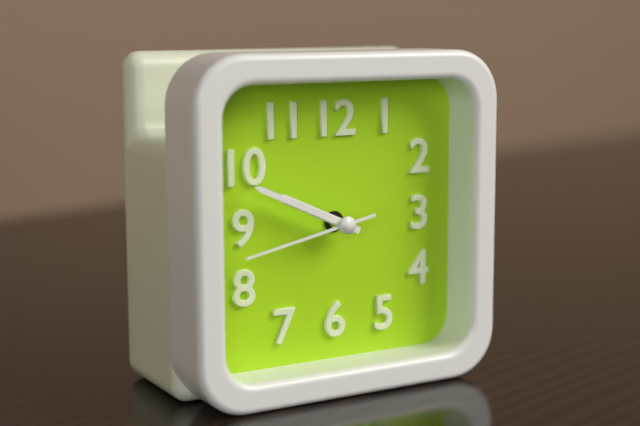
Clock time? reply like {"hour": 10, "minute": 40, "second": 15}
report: {"hour": 9, "minute": 49, "second": 43}
